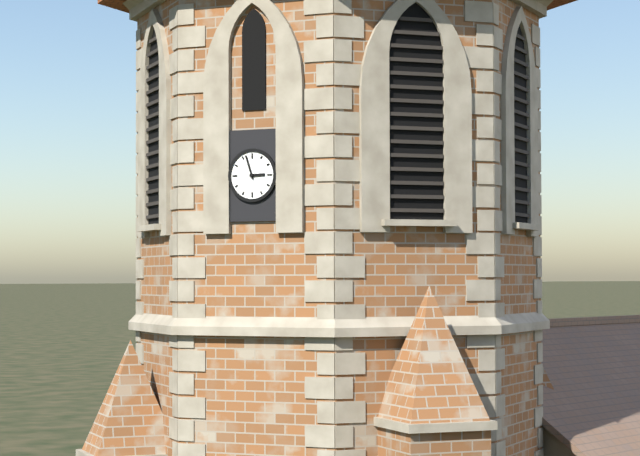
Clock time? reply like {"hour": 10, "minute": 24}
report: {"hour": 2, "minute": 57}
